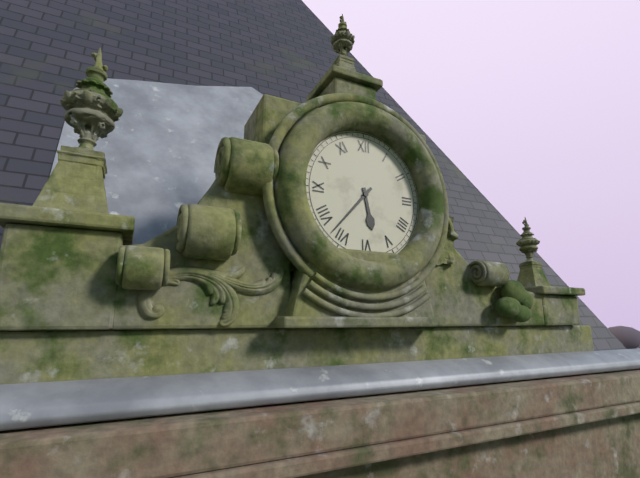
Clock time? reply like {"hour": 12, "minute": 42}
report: {"hour": 5, "minute": 37}
